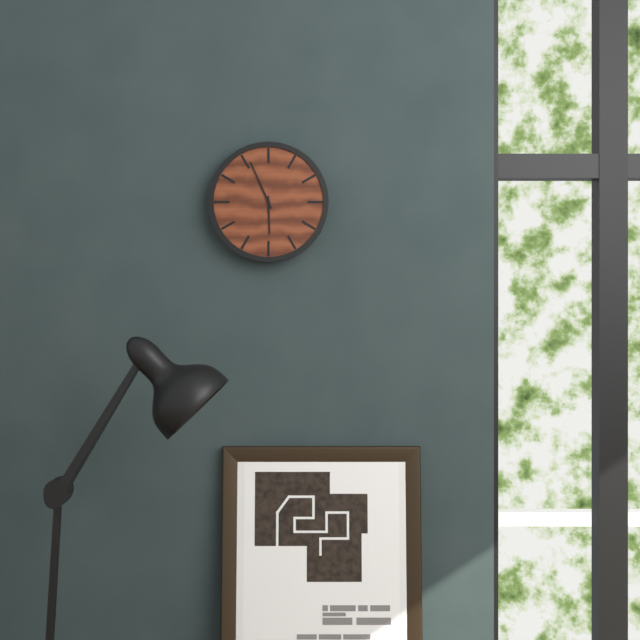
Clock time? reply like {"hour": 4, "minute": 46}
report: {"hour": 5, "minute": 56}
